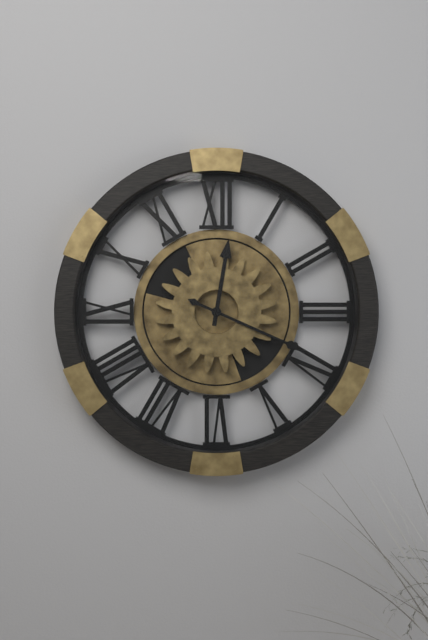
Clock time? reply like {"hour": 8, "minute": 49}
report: {"hour": 12, "minute": 19}
